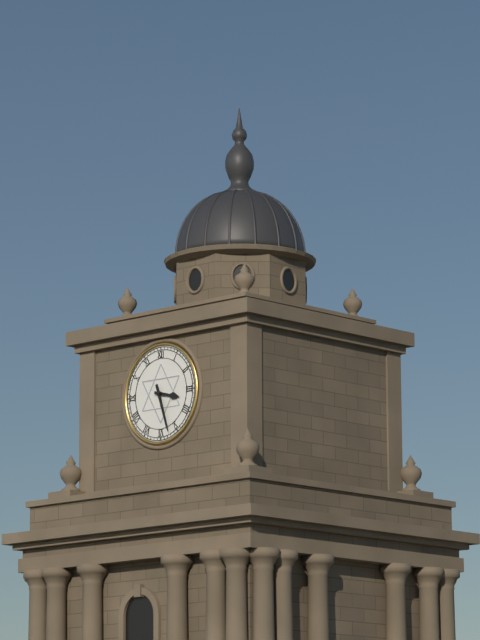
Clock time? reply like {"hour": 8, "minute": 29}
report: {"hour": 3, "minute": 27}
